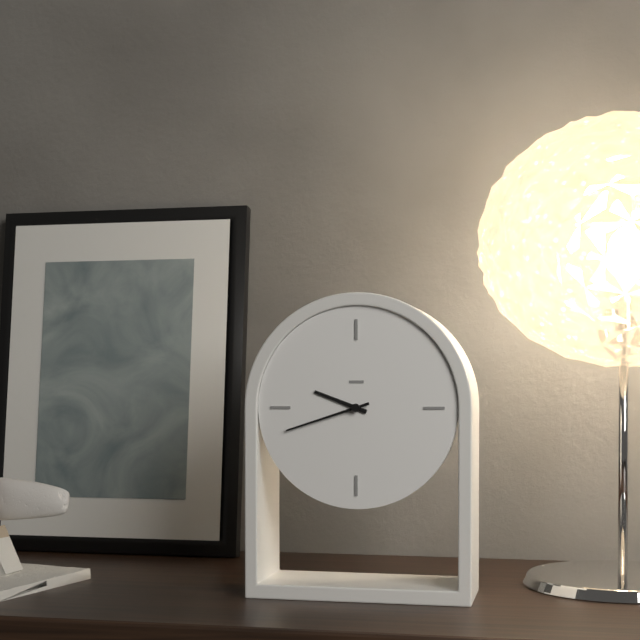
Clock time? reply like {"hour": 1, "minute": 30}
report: {"hour": 9, "minute": 42}
